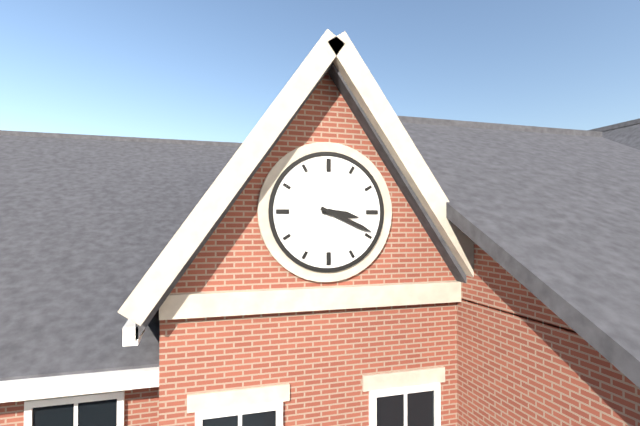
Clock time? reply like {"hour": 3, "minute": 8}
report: {"hour": 3, "minute": 19}
